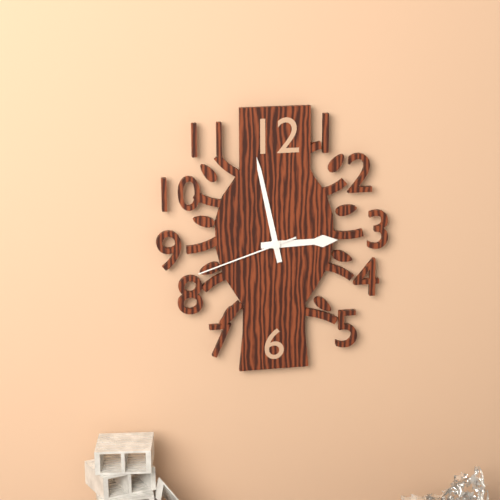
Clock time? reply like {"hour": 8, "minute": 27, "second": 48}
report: {"hour": 2, "minute": 58, "second": 42}
